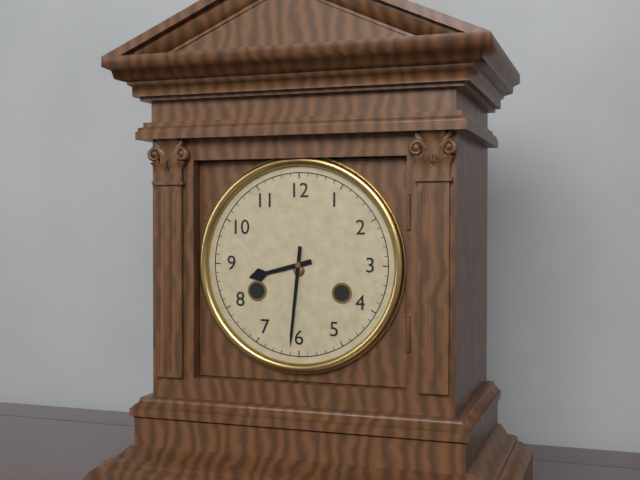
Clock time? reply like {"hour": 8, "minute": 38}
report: {"hour": 8, "minute": 31}
